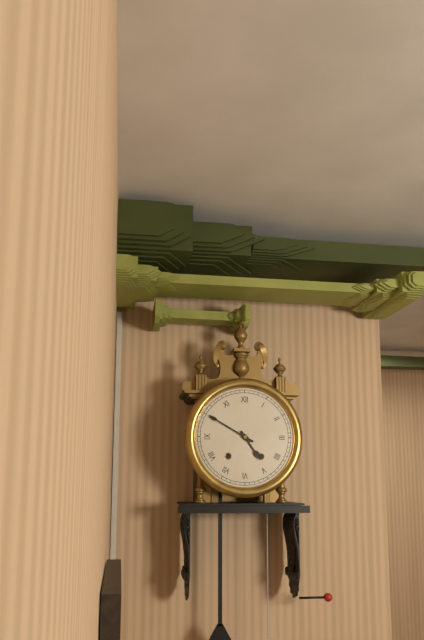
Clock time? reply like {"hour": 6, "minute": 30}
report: {"hour": 4, "minute": 50}
